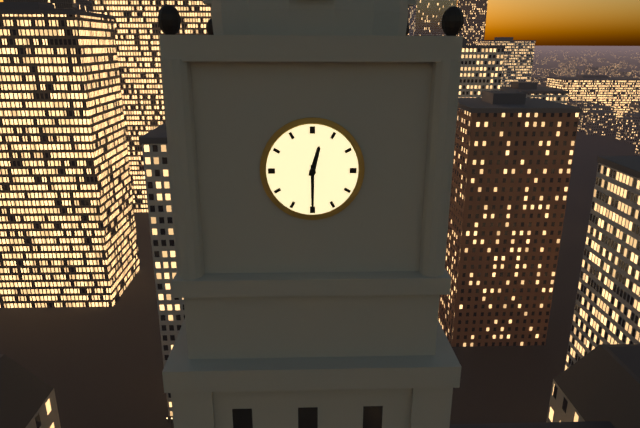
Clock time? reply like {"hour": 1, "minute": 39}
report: {"hour": 12, "minute": 30}
